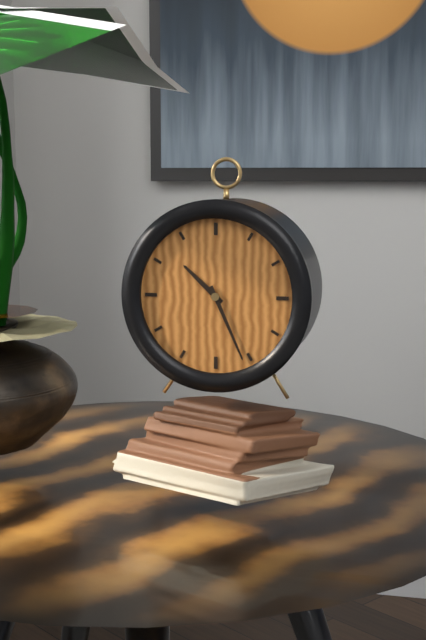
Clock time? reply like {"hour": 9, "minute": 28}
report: {"hour": 10, "minute": 26}
